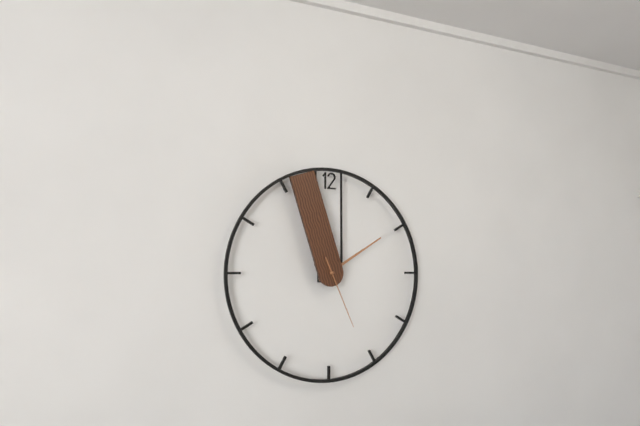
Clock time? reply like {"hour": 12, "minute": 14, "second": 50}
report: {"hour": 1, "minute": 57, "second": 26}
